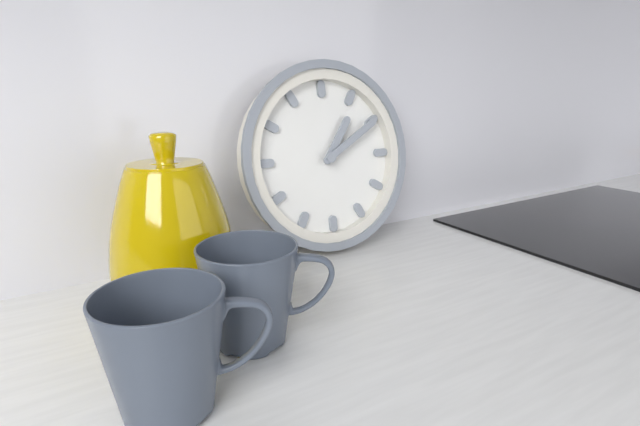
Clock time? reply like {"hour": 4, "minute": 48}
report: {"hour": 1, "minute": 10}
